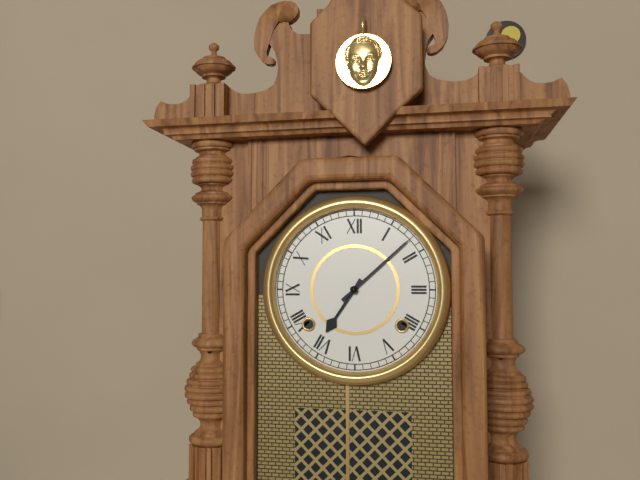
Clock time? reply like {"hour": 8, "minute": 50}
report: {"hour": 7, "minute": 8}
